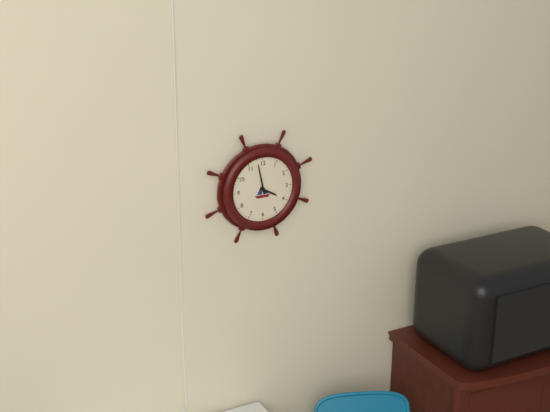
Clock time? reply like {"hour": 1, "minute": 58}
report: {"hour": 3, "minute": 58}
